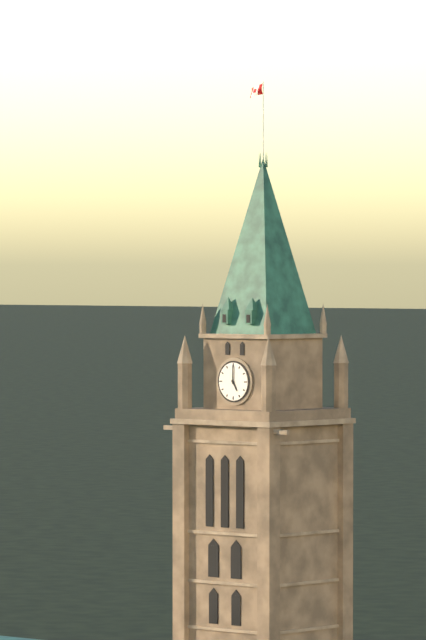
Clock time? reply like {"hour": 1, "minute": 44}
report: {"hour": 5, "minute": 0}
